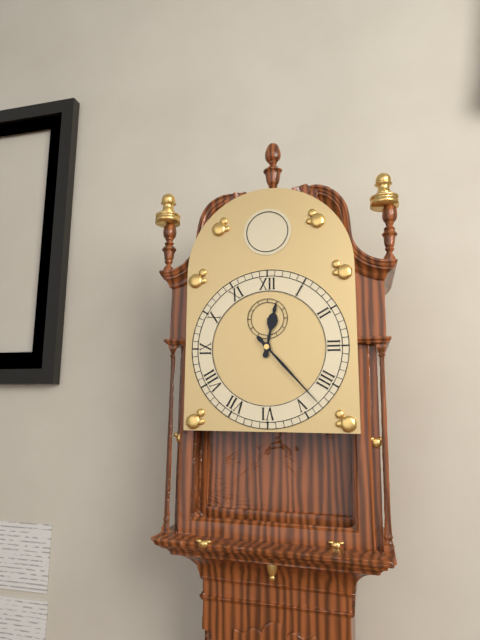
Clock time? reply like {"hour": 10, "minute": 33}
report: {"hour": 12, "minute": 23}
